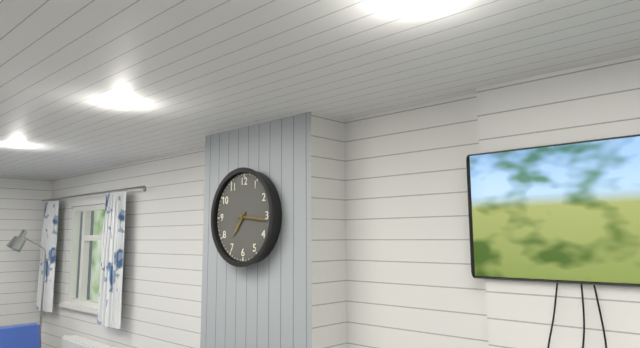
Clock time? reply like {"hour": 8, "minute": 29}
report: {"hour": 7, "minute": 16}
